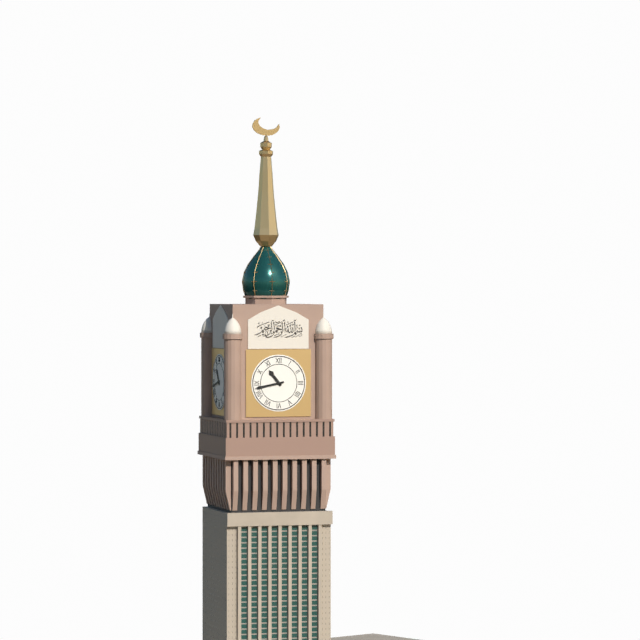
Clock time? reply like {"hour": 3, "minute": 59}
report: {"hour": 10, "minute": 43}
